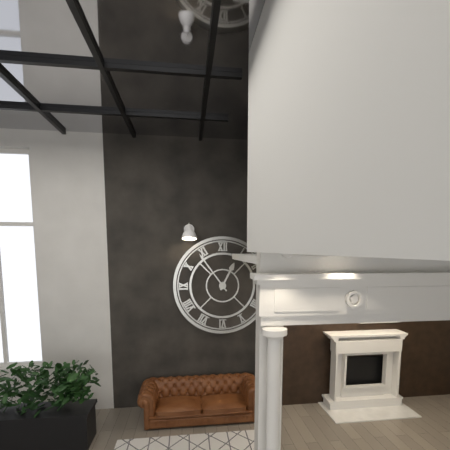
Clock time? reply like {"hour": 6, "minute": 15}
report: {"hour": 12, "minute": 54}
